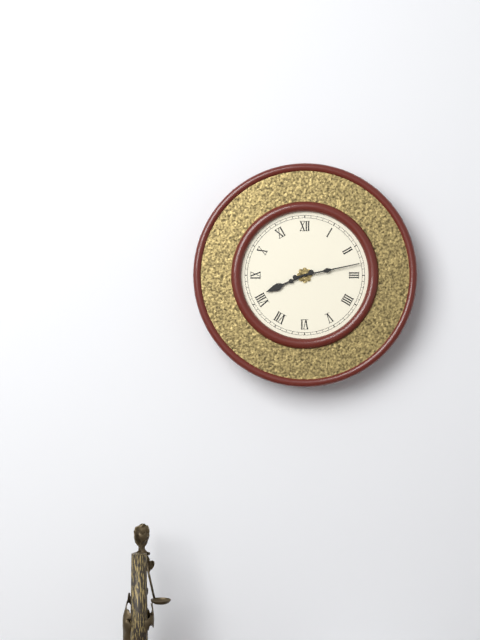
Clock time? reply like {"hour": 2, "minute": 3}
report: {"hour": 8, "minute": 13}
